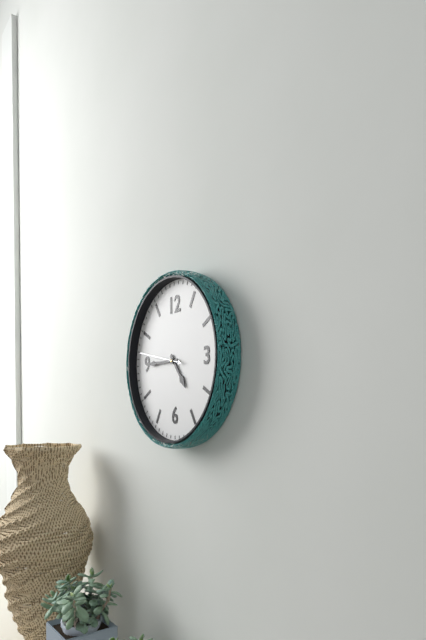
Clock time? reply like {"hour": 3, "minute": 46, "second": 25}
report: {"hour": 4, "minute": 45, "second": 47}
